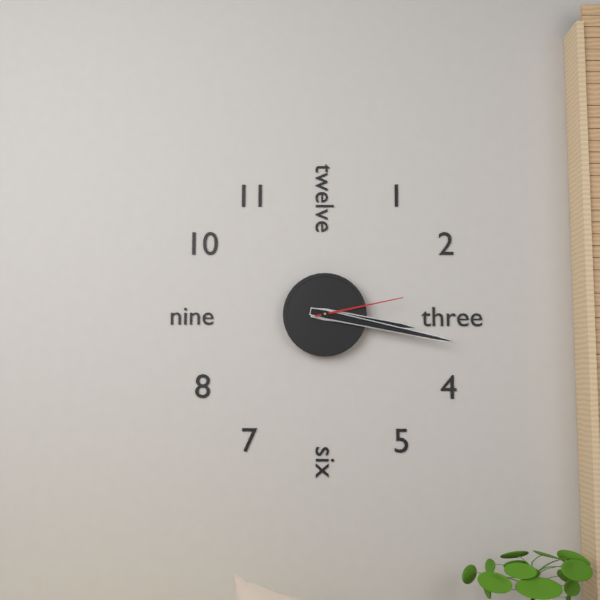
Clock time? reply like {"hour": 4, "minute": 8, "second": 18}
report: {"hour": 3, "minute": 17, "second": 13}
